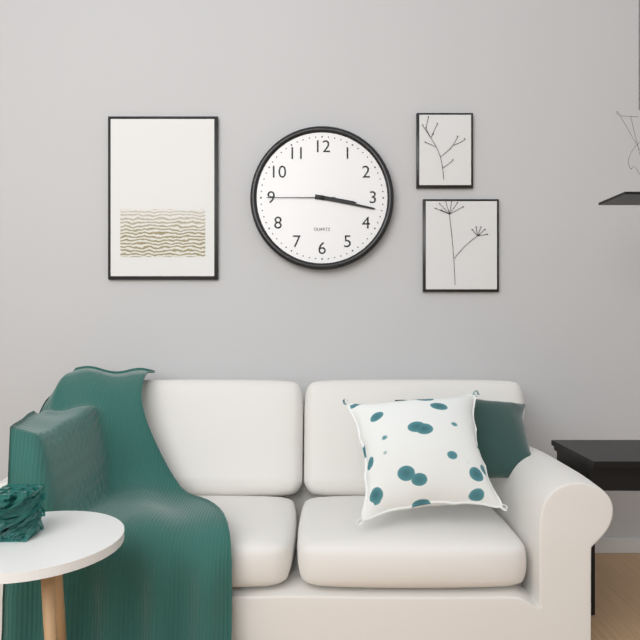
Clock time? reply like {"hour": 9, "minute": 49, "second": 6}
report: {"hour": 3, "minute": 17, "second": 45}
